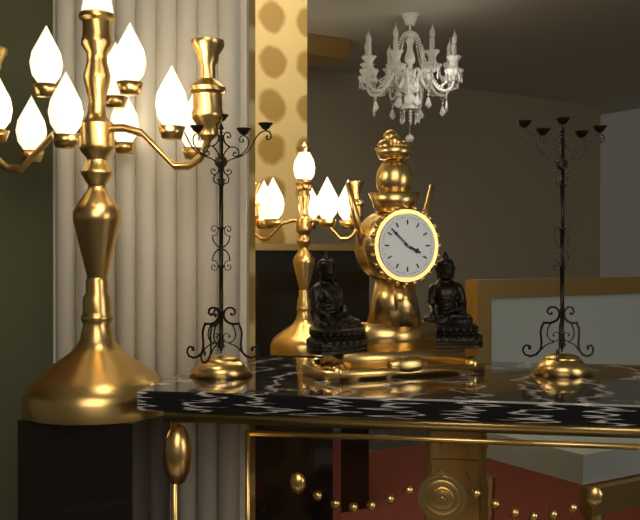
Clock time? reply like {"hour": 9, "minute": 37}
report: {"hour": 3, "minute": 52}
